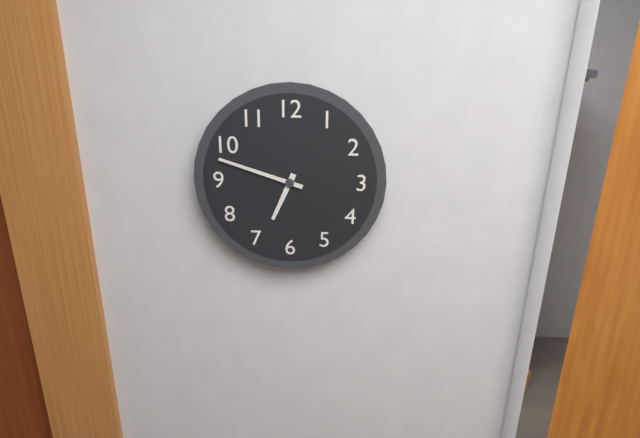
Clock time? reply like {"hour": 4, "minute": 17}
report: {"hour": 6, "minute": 48}
